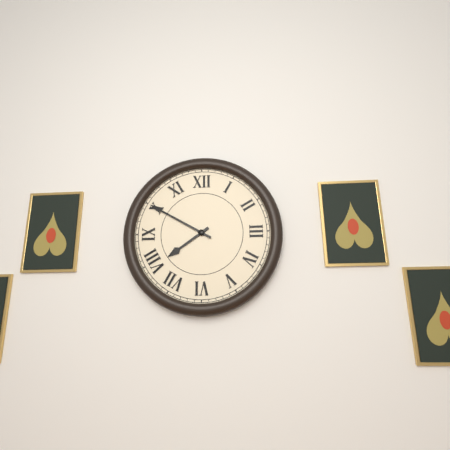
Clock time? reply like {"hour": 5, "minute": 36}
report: {"hour": 7, "minute": 50}
